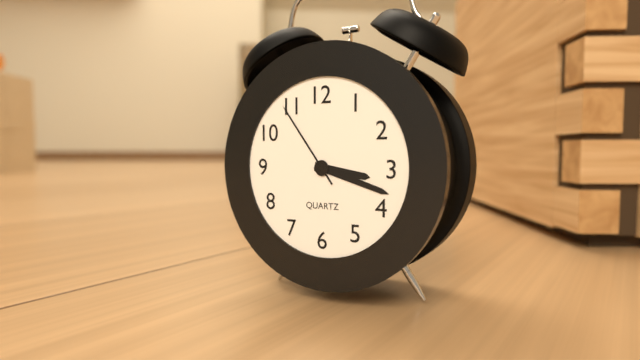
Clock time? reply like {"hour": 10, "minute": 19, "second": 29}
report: {"hour": 3, "minute": 18, "second": 54}
